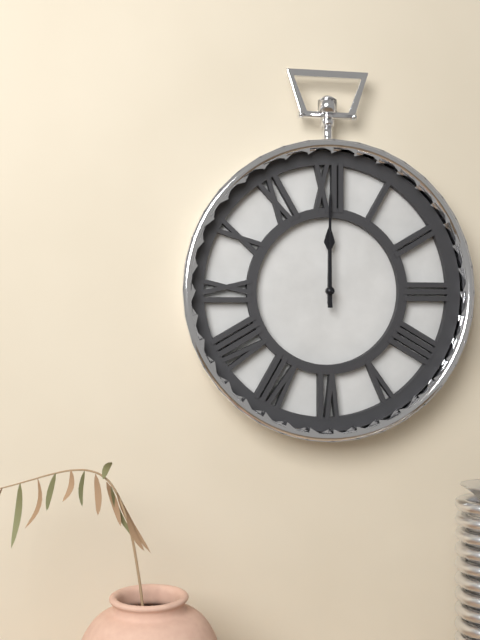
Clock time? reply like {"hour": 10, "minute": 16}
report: {"hour": 12, "minute": 0}
